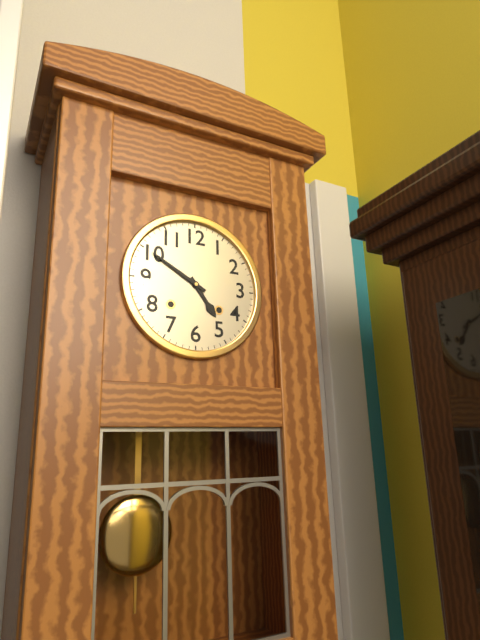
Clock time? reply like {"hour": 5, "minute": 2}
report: {"hour": 4, "minute": 50}
